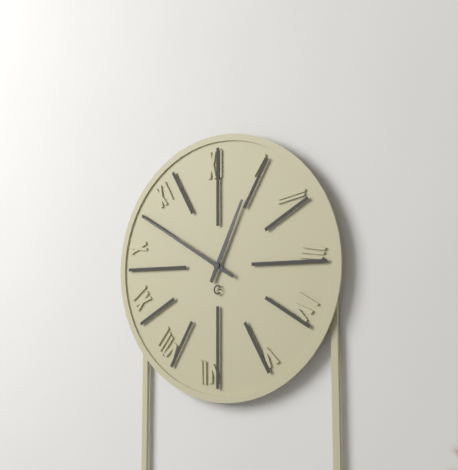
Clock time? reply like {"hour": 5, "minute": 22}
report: {"hour": 12, "minute": 50}
